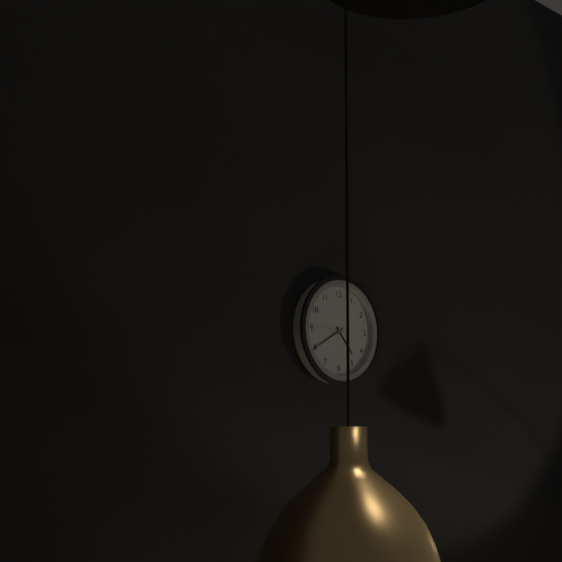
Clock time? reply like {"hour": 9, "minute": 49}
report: {"hour": 4, "minute": 40}
